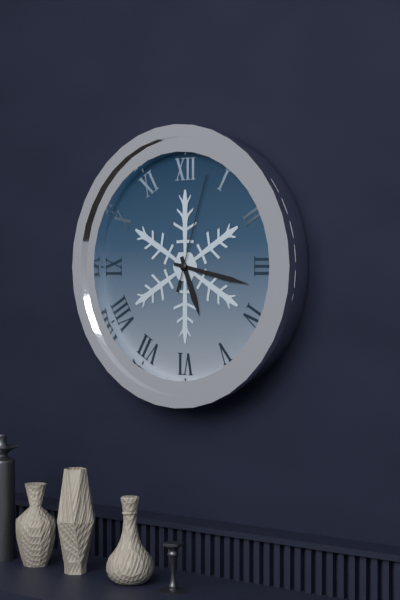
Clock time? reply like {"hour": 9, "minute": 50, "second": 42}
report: {"hour": 5, "minute": 17, "second": 3}
